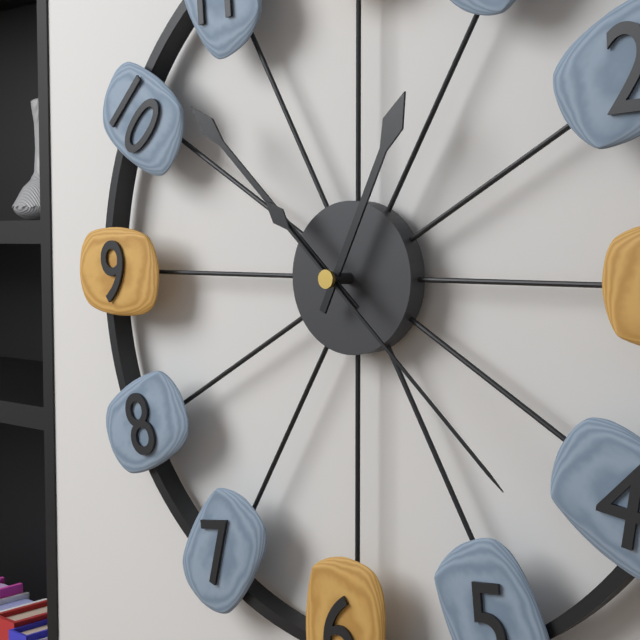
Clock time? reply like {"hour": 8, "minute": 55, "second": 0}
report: {"hour": 12, "minute": 52, "second": 22}
